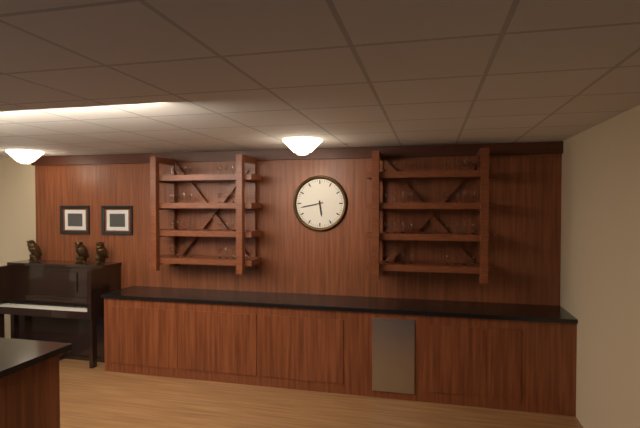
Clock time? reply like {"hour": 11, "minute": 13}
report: {"hour": 5, "minute": 43}
